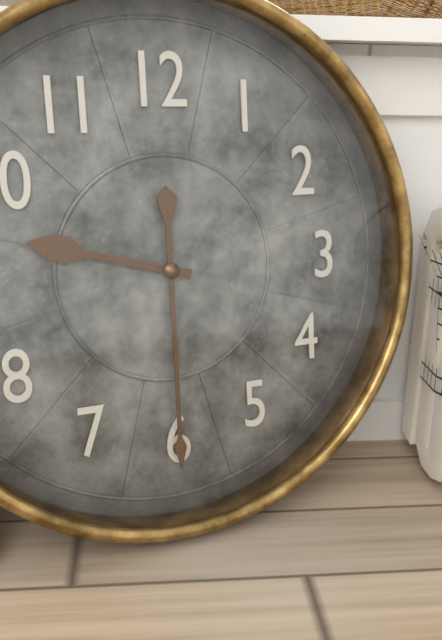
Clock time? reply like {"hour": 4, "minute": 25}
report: {"hour": 9, "minute": 30}
